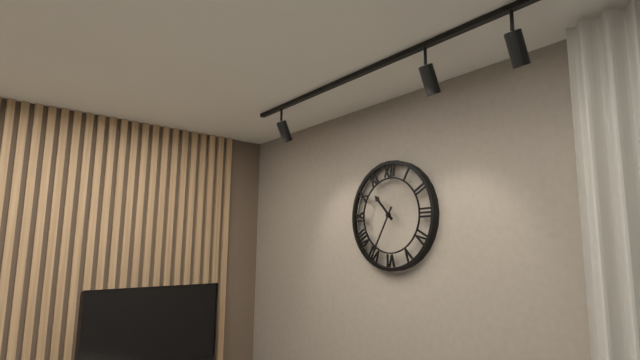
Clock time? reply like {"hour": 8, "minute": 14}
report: {"hour": 10, "minute": 35}
